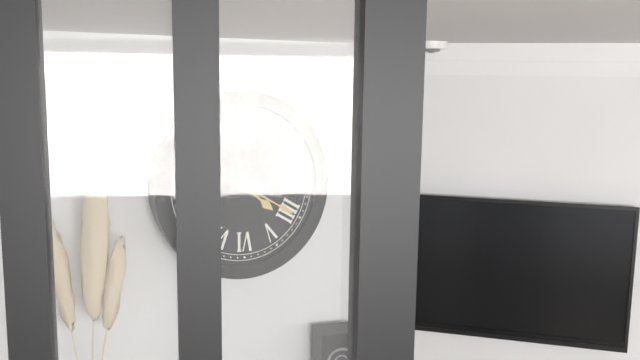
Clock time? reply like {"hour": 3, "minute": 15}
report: {"hour": 4, "minute": 20}
